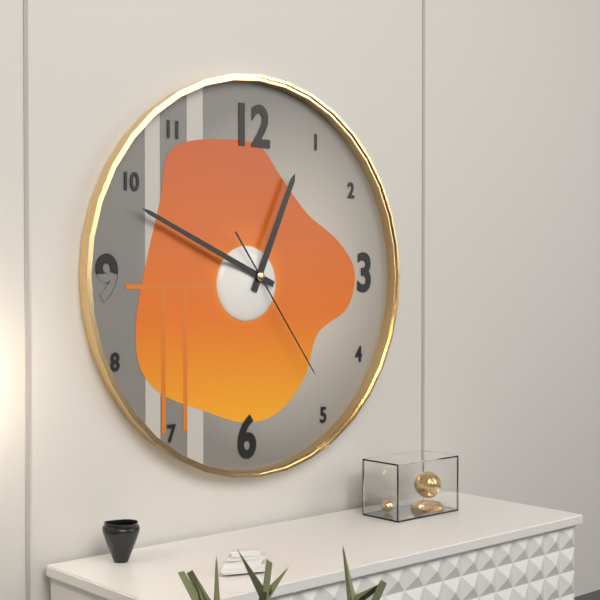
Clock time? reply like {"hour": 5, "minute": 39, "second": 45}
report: {"hour": 12, "minute": 49, "second": 24}
